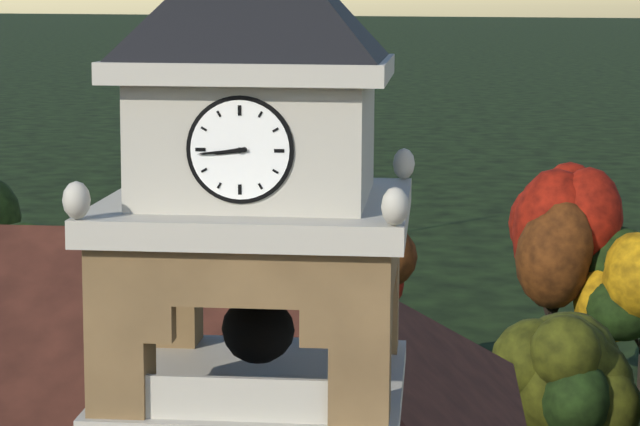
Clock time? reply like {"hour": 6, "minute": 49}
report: {"hour": 8, "minute": 44}
